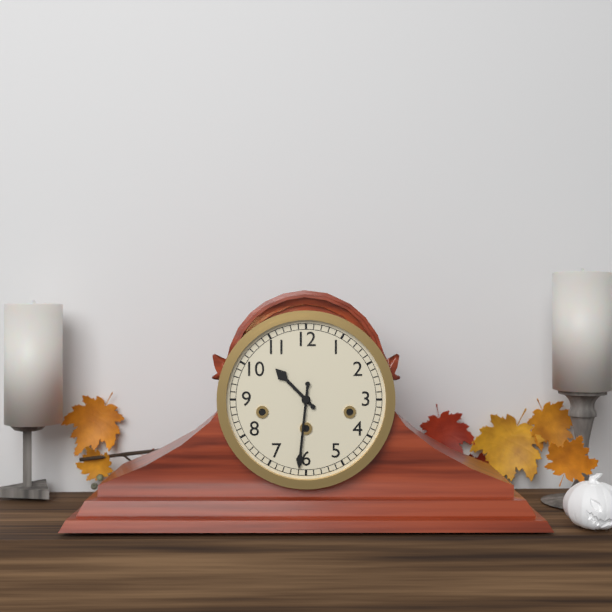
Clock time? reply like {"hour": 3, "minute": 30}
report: {"hour": 10, "minute": 31}
